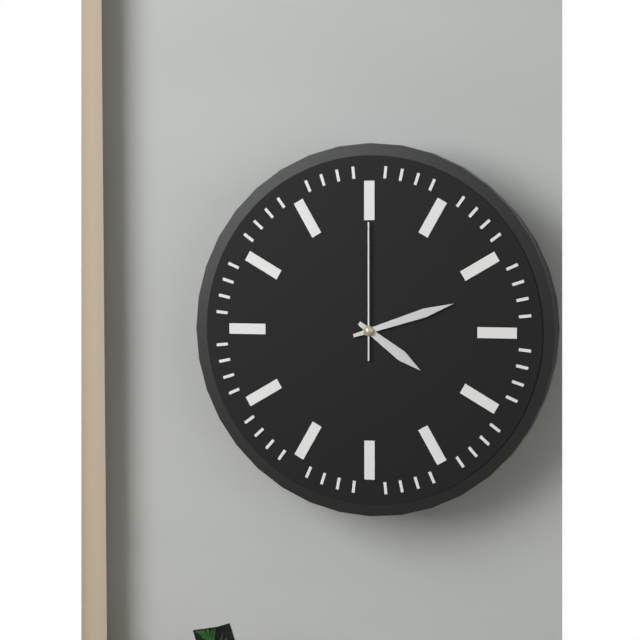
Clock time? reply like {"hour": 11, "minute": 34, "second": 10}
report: {"hour": 4, "minute": 12, "second": 0}
